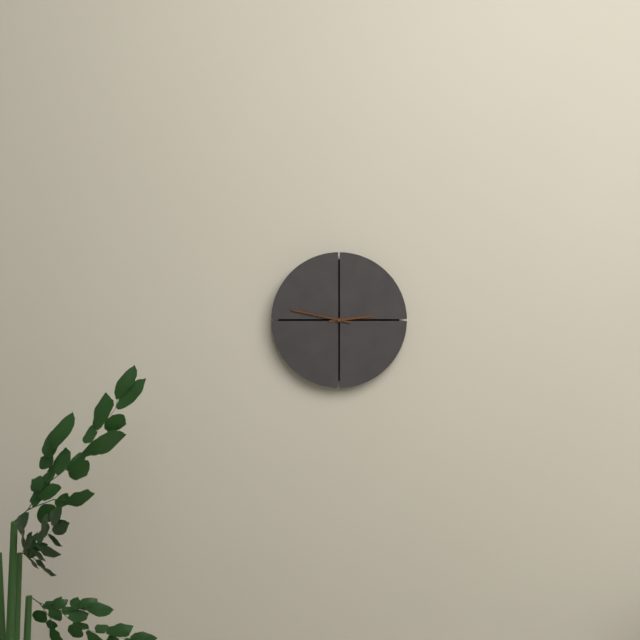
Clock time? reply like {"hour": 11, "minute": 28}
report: {"hour": 2, "minute": 47}
